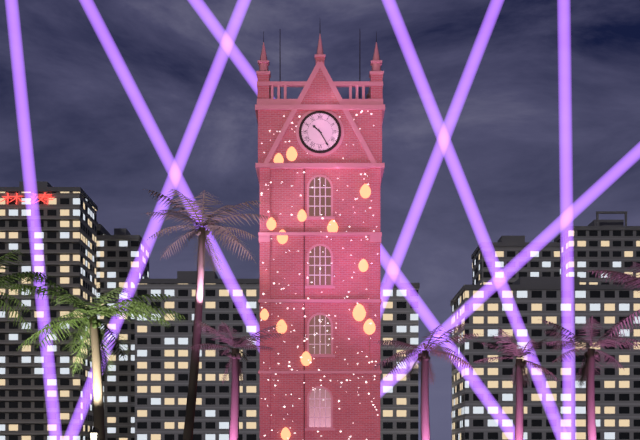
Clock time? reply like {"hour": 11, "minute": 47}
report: {"hour": 10, "minute": 25}
